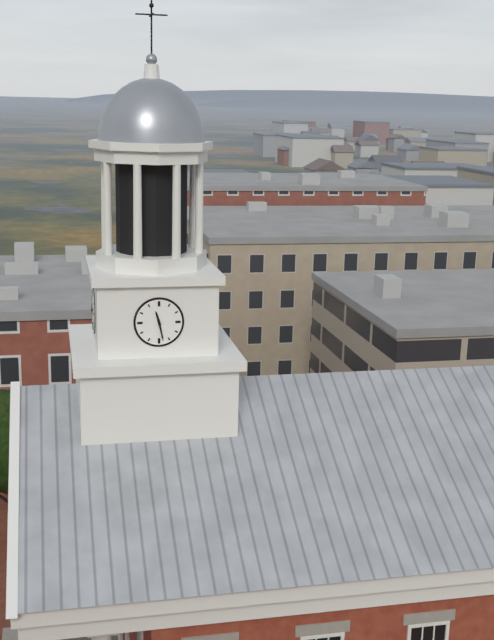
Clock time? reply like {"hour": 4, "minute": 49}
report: {"hour": 11, "minute": 28}
